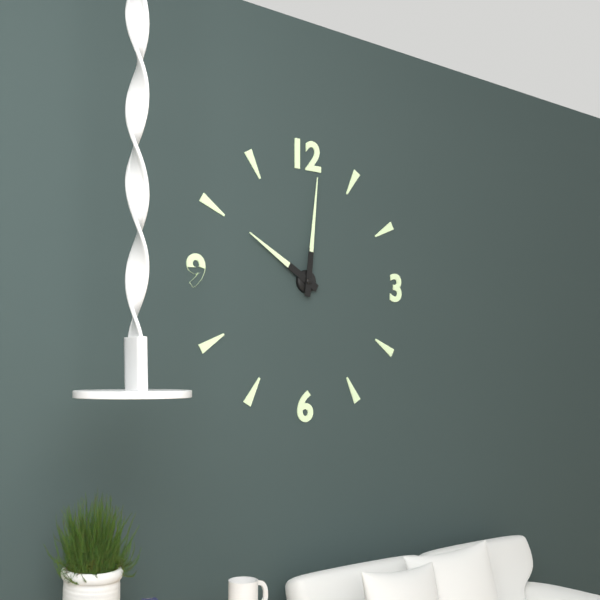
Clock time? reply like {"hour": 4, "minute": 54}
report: {"hour": 10, "minute": 1}
